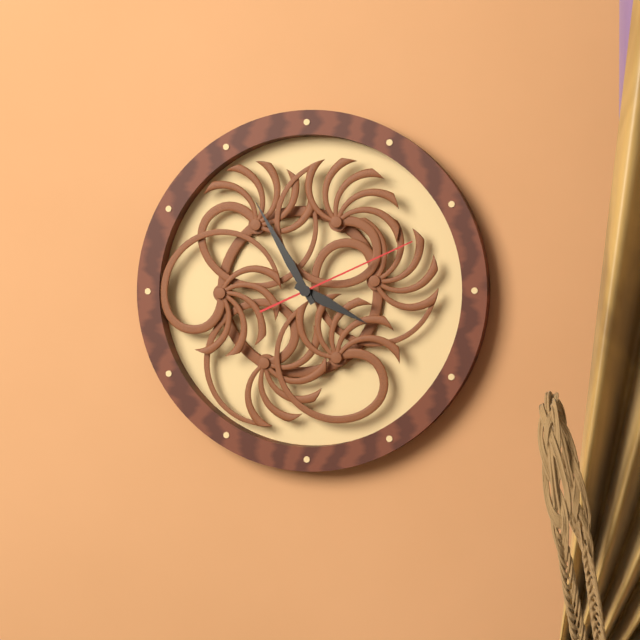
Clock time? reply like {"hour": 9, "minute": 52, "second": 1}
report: {"hour": 3, "minute": 55, "second": 11}
